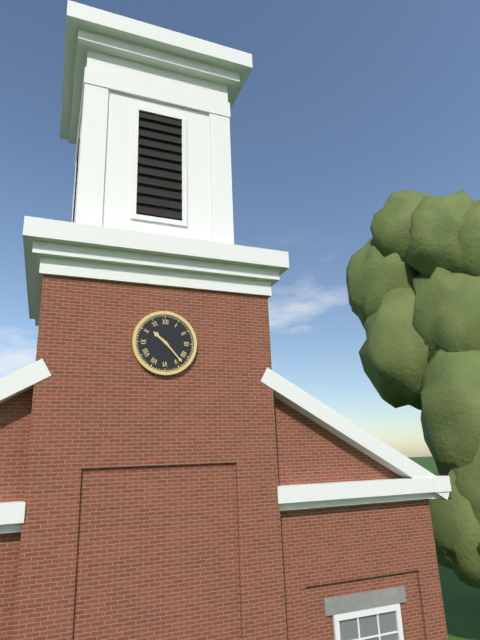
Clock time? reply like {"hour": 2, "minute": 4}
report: {"hour": 10, "minute": 23}
